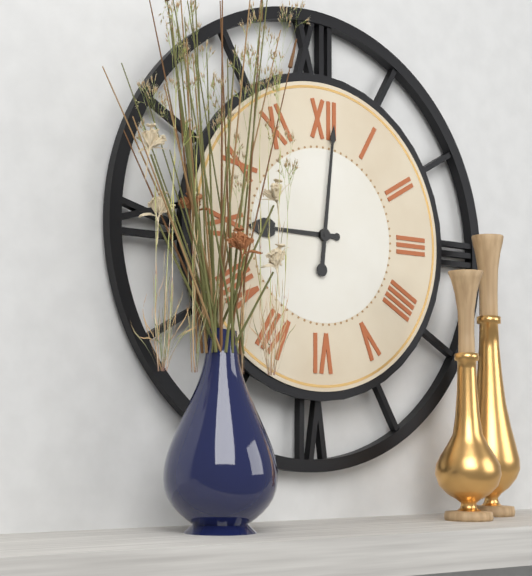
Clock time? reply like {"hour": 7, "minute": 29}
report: {"hour": 9, "minute": 1}
